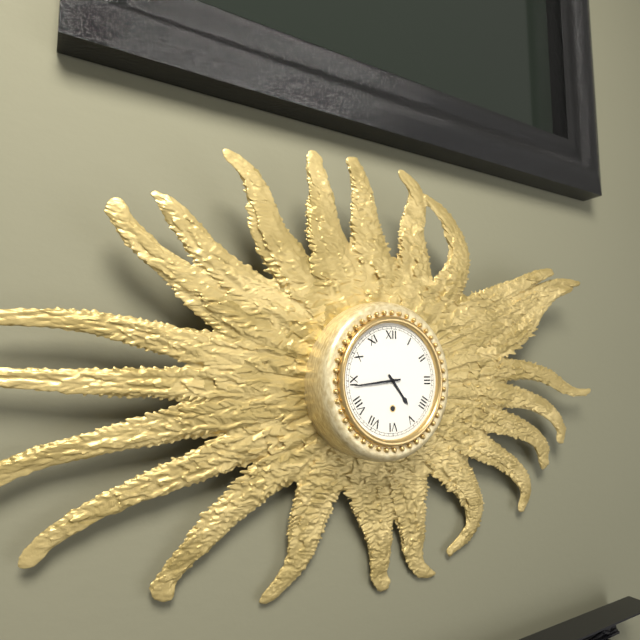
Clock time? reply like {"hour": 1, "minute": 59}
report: {"hour": 4, "minute": 44}
